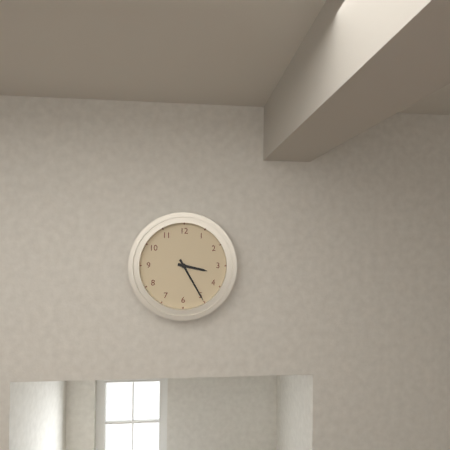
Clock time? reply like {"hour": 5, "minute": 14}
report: {"hour": 3, "minute": 25}
